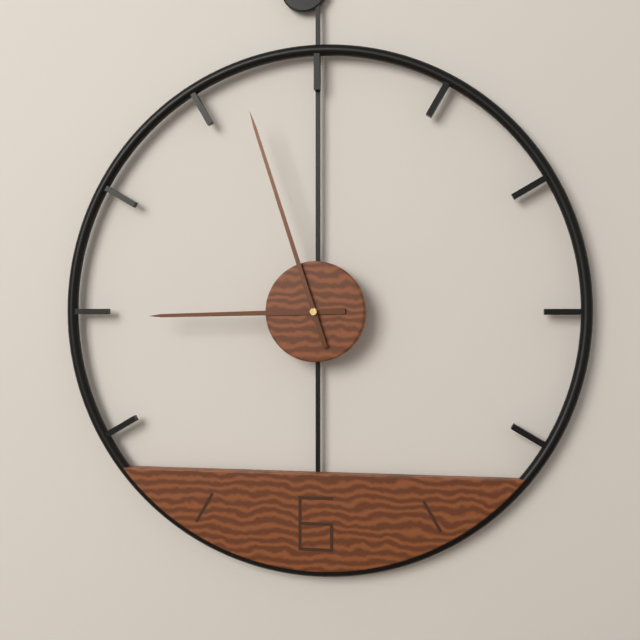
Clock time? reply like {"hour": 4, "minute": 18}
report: {"hour": 8, "minute": 57}
